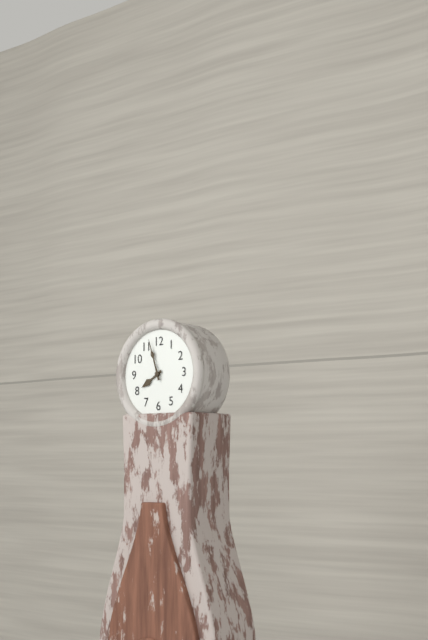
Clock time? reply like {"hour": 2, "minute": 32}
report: {"hour": 7, "minute": 57}
